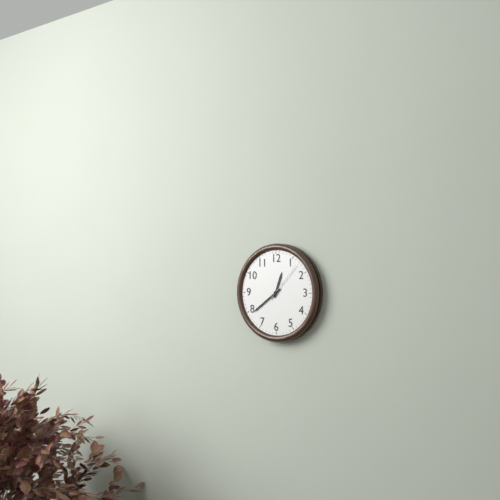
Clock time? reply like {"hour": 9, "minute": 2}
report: {"hour": 12, "minute": 39}
